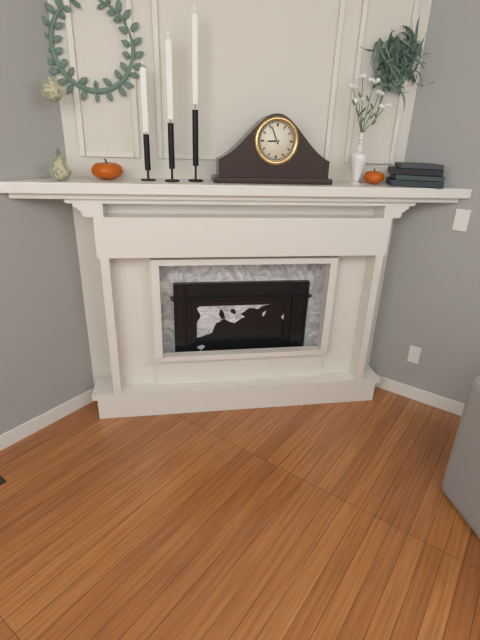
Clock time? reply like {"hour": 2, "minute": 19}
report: {"hour": 8, "minute": 56}
